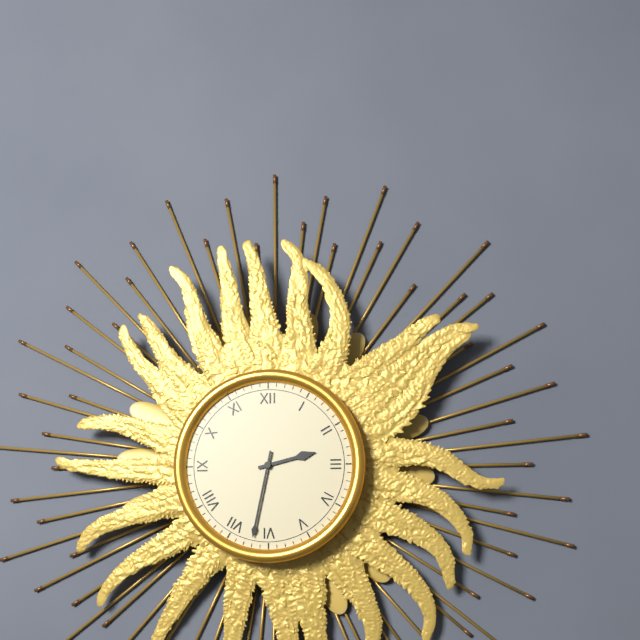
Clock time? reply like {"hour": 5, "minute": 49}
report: {"hour": 2, "minute": 32}
